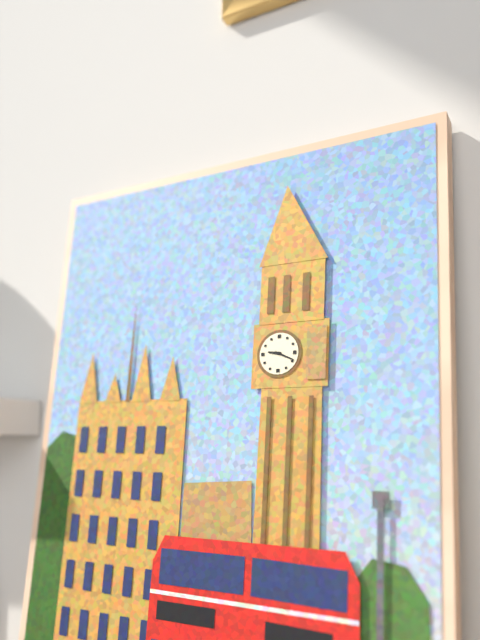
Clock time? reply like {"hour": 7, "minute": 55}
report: {"hour": 9, "minute": 19}
